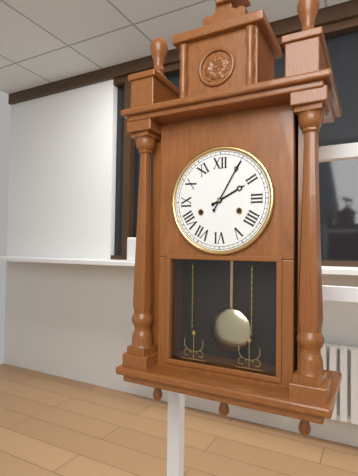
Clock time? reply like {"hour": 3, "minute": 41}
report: {"hour": 2, "minute": 5}
